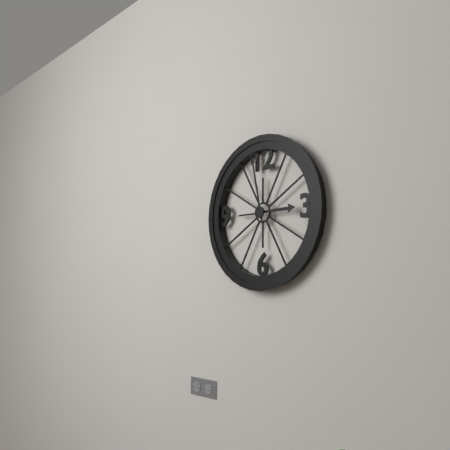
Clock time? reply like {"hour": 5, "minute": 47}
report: {"hour": 2, "minute": 58}
